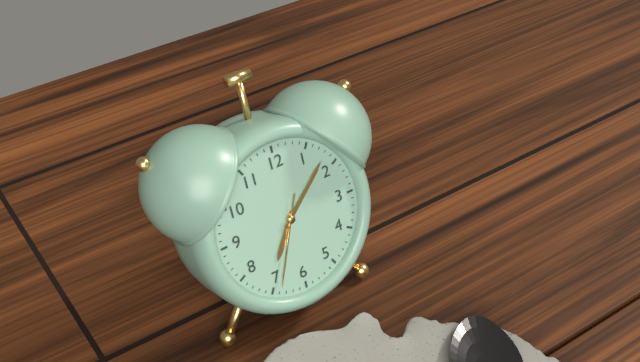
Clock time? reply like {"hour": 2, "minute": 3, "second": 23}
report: {"hour": 7, "minute": 8, "second": 34}
